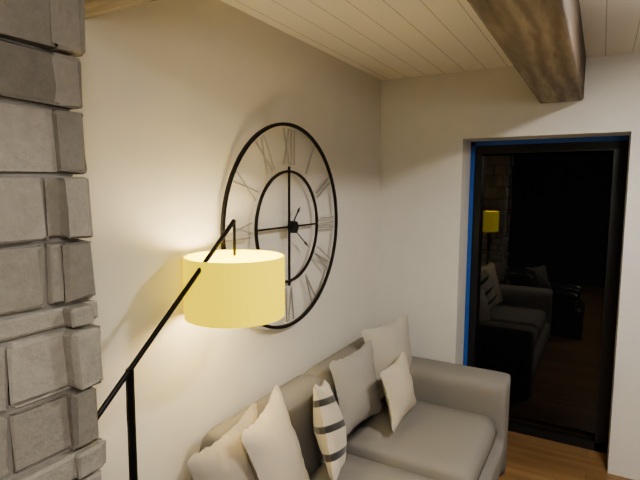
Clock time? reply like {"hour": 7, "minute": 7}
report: {"hour": 1, "minute": 21}
